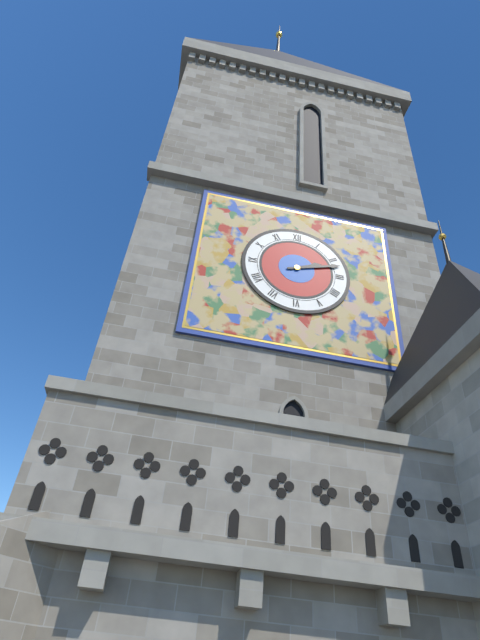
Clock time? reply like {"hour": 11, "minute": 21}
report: {"hour": 2, "minute": 12}
